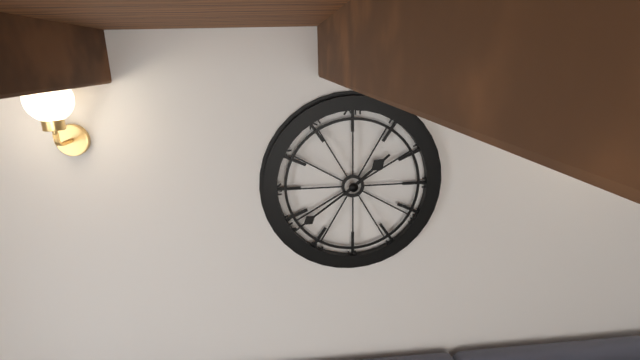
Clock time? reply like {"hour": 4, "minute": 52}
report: {"hour": 1, "minute": 39}
